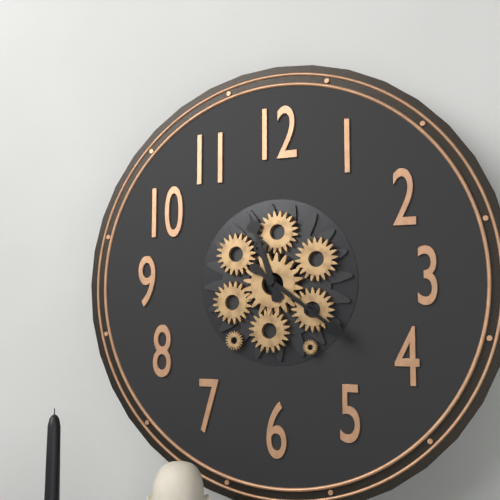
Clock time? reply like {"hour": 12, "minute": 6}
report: {"hour": 11, "minute": 21}
